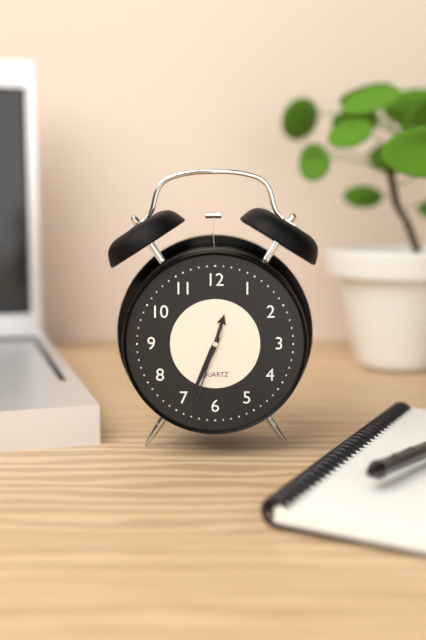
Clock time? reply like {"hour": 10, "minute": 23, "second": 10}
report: {"hour": 12, "minute": 34, "second": 33}
